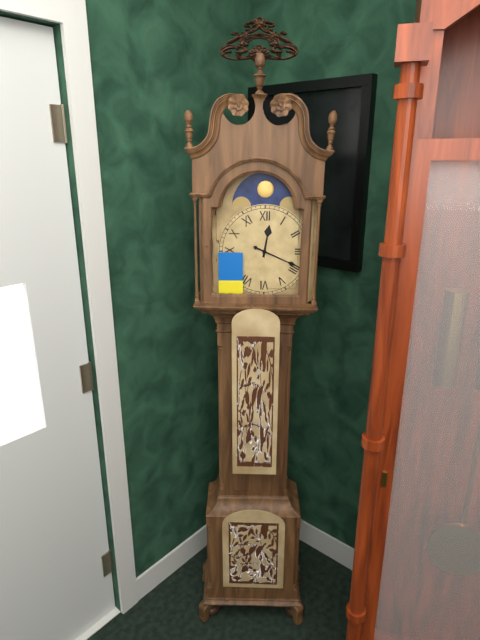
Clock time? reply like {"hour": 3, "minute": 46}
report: {"hour": 12, "minute": 19}
